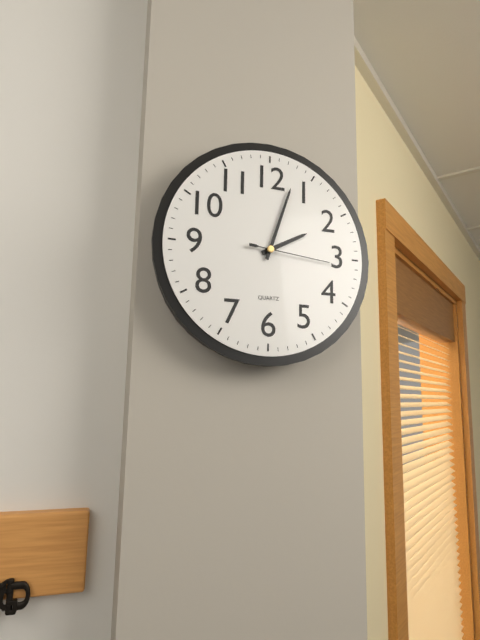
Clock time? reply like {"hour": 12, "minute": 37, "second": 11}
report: {"hour": 2, "minute": 3, "second": 16}
